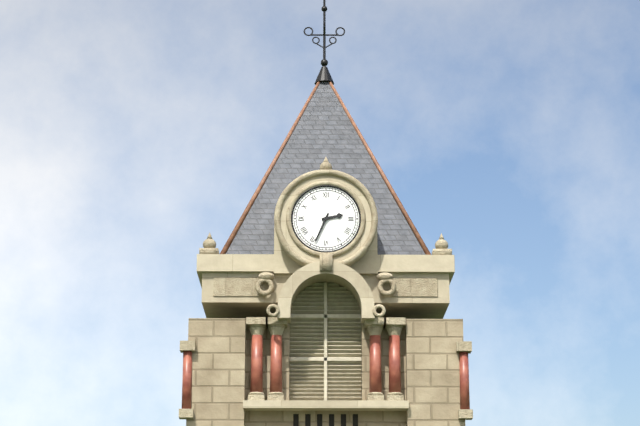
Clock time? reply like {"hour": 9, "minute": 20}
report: {"hour": 2, "minute": 34}
